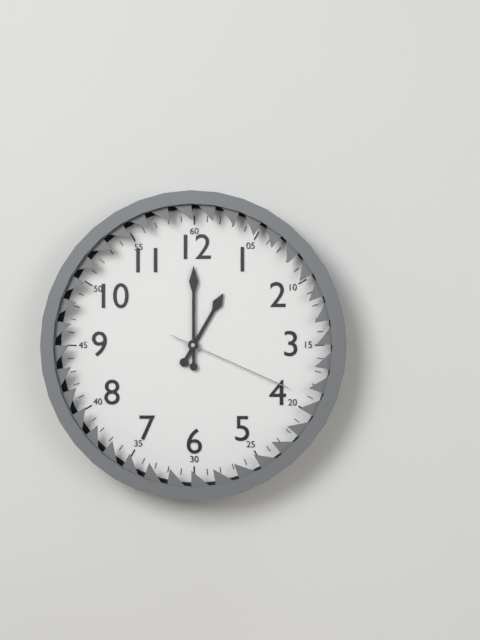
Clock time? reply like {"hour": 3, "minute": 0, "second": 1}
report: {"hour": 1, "minute": 0, "second": 19}
